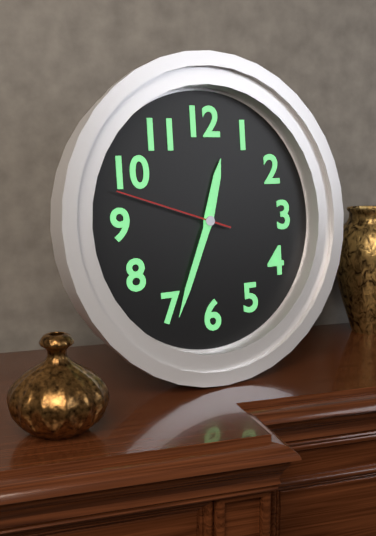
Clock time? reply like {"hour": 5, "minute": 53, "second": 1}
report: {"hour": 12, "minute": 34, "second": 48}
